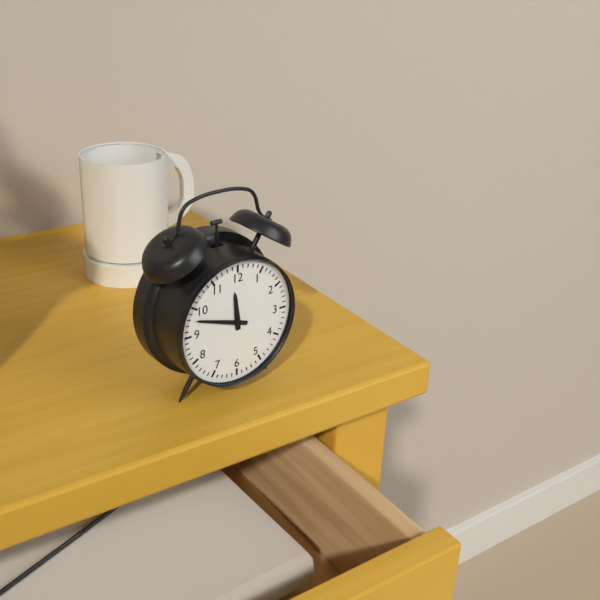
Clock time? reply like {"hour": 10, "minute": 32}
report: {"hour": 11, "minute": 48}
